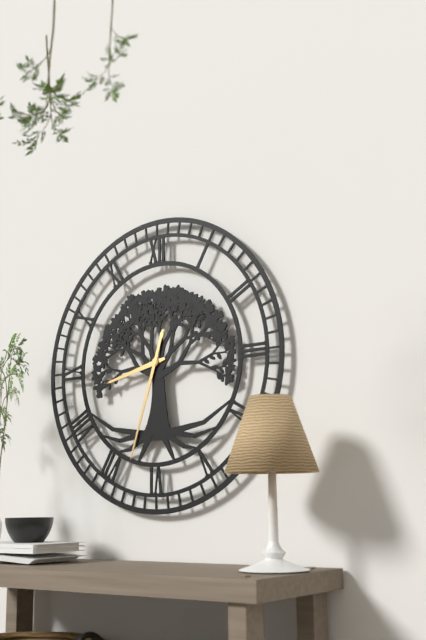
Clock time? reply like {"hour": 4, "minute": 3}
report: {"hour": 8, "minute": 33}
